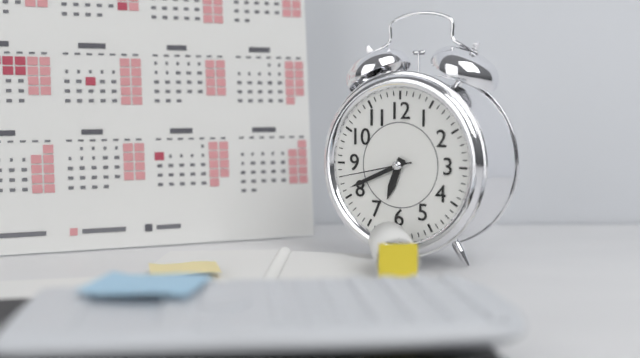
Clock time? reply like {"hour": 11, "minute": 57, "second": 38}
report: {"hour": 6, "minute": 41, "second": 43}
